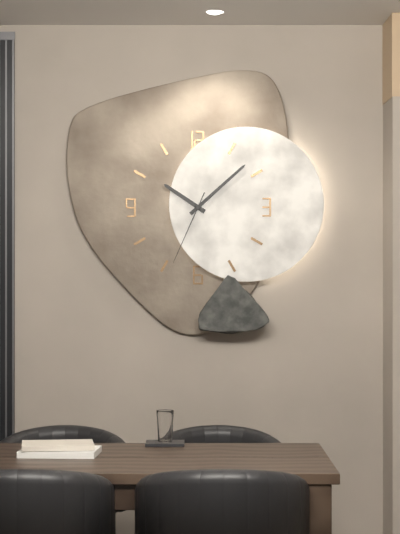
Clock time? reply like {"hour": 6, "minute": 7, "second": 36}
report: {"hour": 10, "minute": 8, "second": 34}
